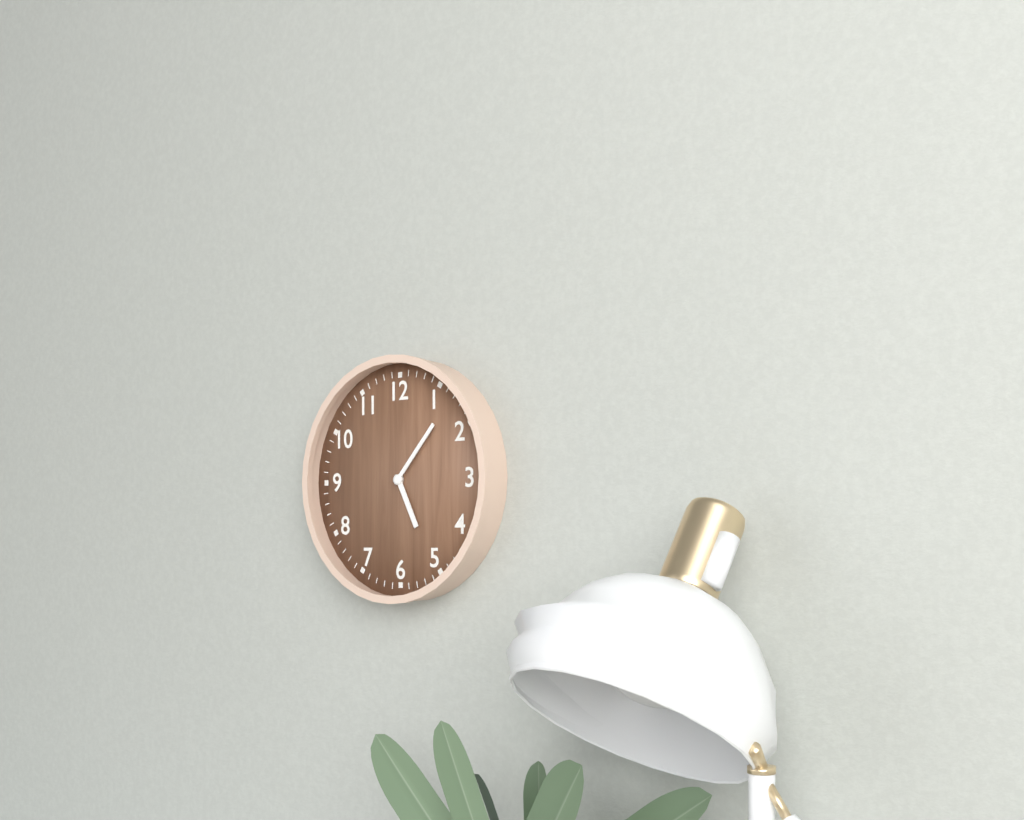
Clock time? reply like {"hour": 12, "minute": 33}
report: {"hour": 5, "minute": 7}
